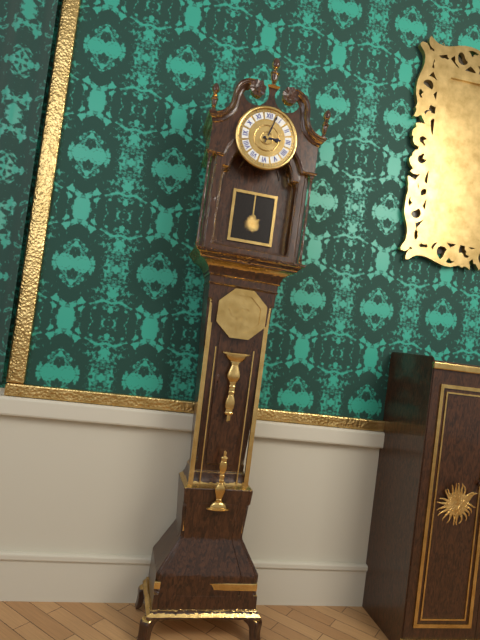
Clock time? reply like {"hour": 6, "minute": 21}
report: {"hour": 3, "minute": 3}
